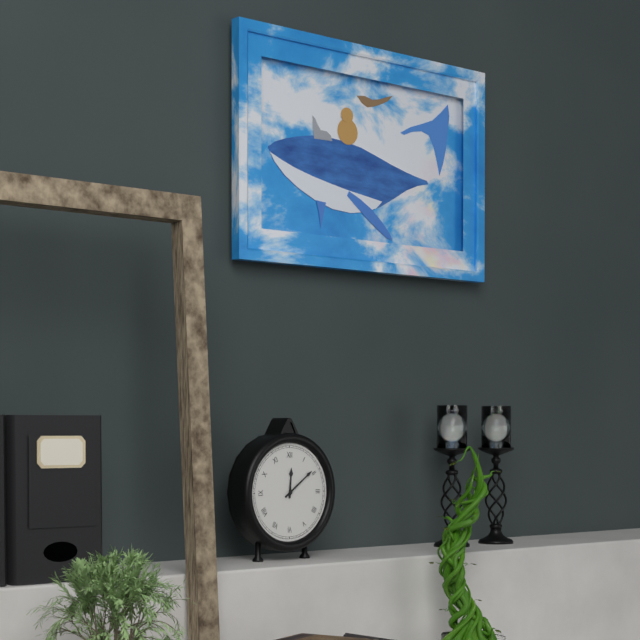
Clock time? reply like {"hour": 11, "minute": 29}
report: {"hour": 12, "minute": 9}
